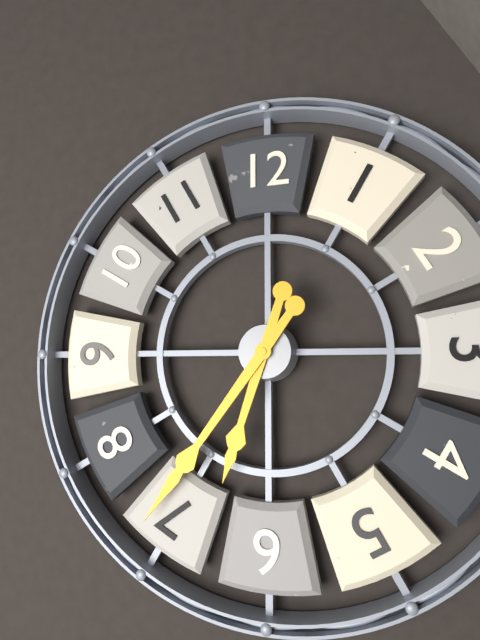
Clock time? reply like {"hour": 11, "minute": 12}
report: {"hour": 6, "minute": 36}
